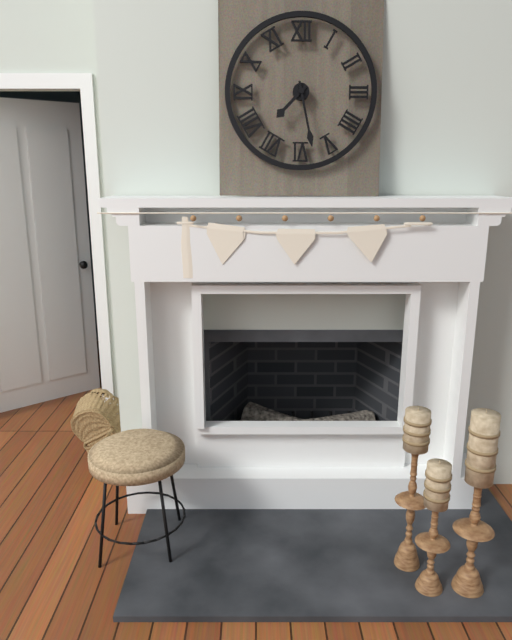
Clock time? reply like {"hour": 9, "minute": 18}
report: {"hour": 7, "minute": 28}
